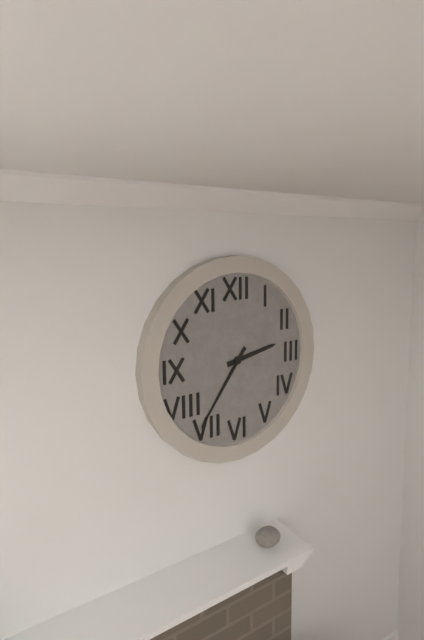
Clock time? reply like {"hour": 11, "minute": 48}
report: {"hour": 2, "minute": 36}
